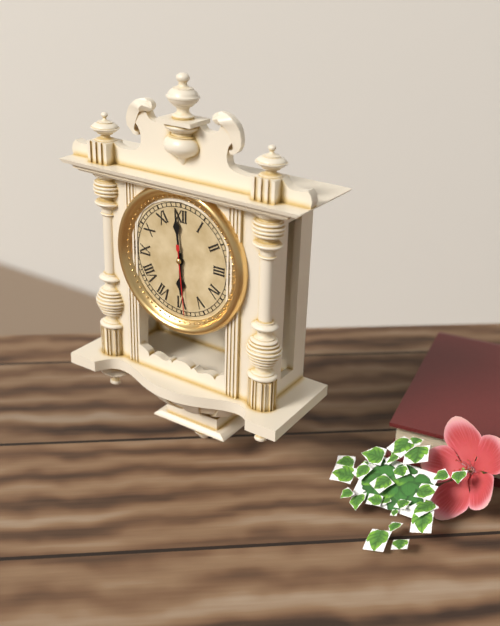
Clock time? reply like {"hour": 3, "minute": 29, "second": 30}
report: {"hour": 5, "minute": 59, "second": 29}
